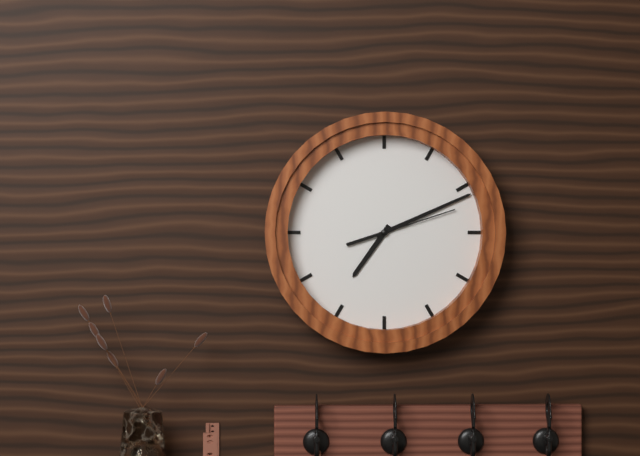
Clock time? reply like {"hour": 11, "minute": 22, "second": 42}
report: {"hour": 7, "minute": 11, "second": 12}
